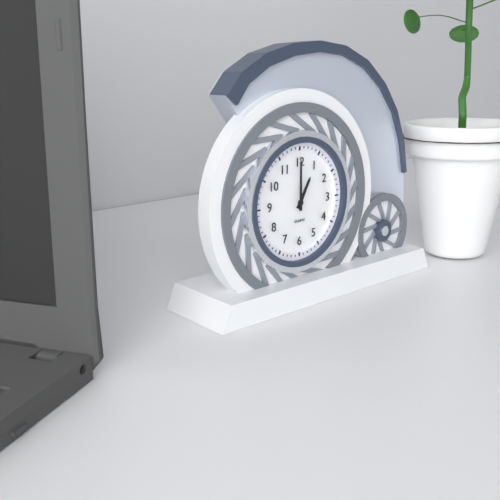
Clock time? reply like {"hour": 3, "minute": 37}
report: {"hour": 1, "minute": 0}
